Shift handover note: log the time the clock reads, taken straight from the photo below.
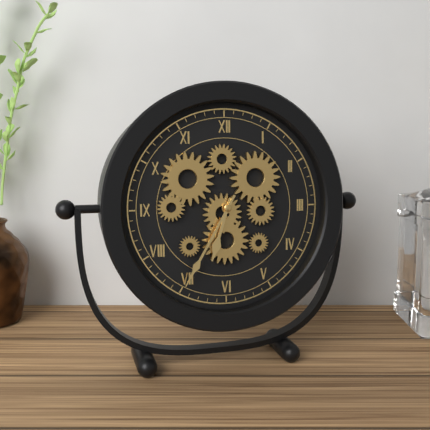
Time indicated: 6:35
